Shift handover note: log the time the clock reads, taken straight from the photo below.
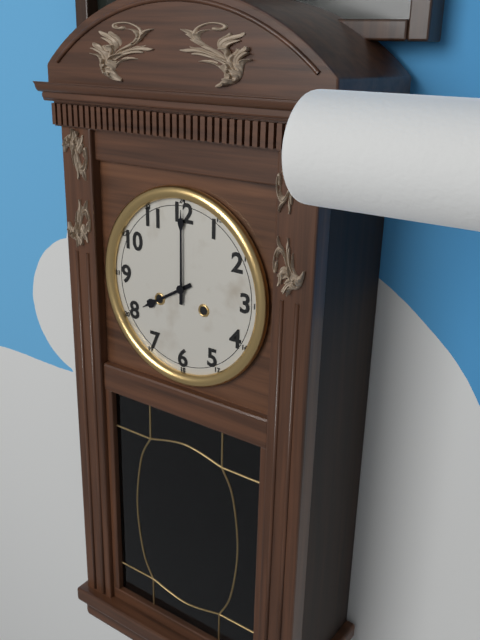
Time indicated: 8:00
